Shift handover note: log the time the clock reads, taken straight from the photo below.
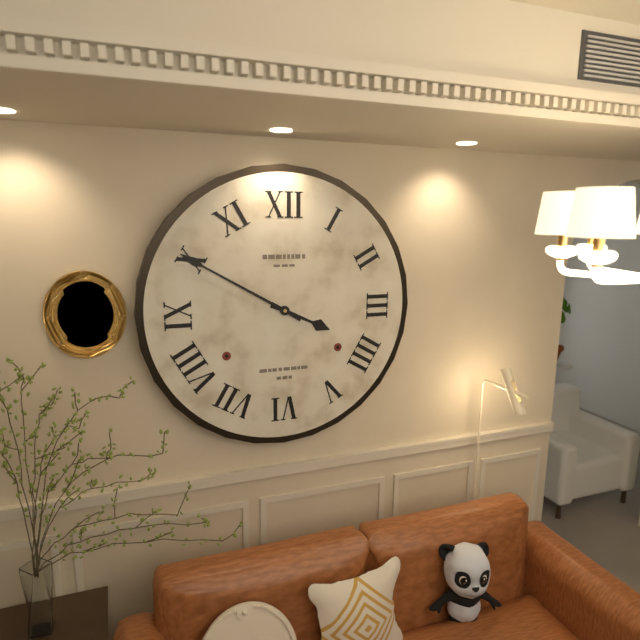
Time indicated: 3:50
